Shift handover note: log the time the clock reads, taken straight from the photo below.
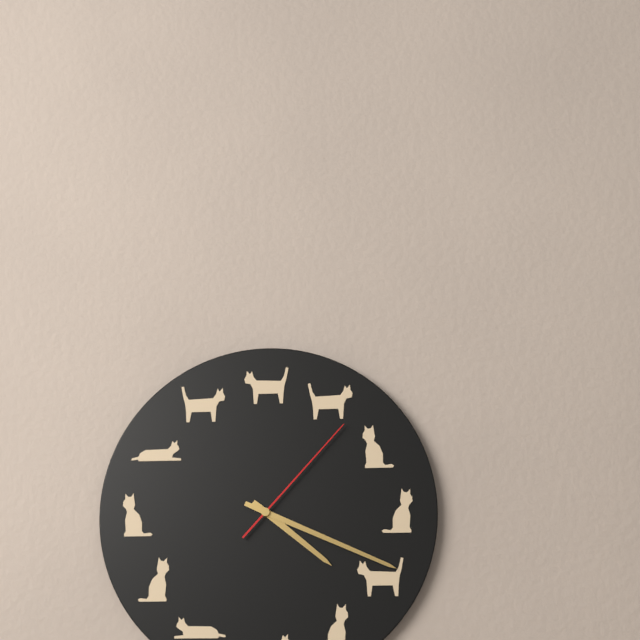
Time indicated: 4:19:07
